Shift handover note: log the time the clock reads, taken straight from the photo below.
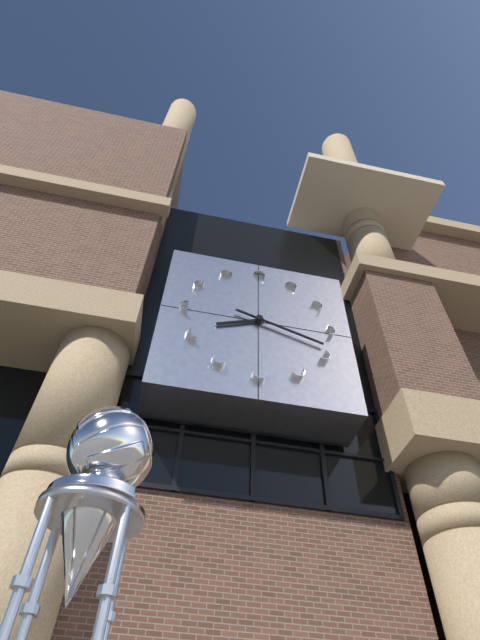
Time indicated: 8:18
